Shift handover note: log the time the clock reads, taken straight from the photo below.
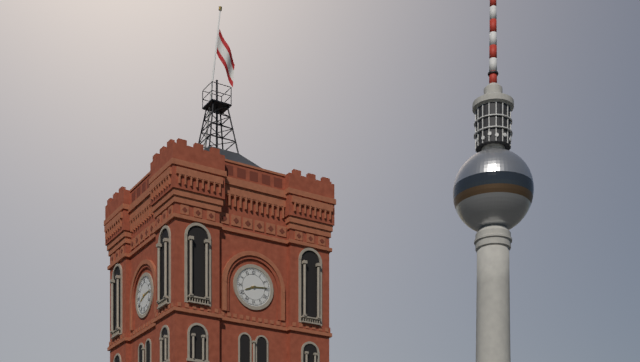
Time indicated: 8:14
